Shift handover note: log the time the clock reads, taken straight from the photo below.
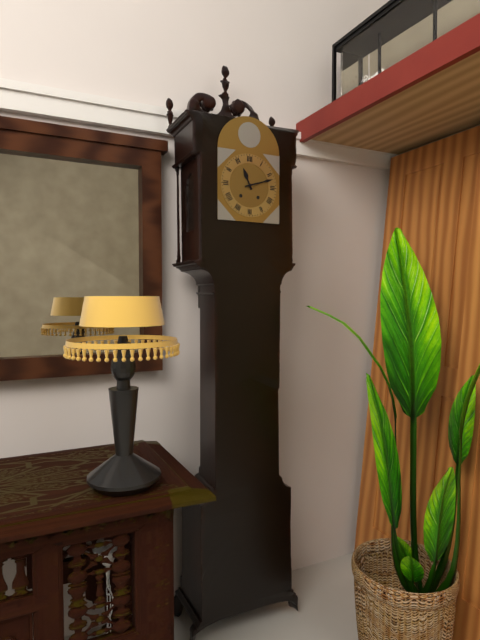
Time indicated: 11:12
